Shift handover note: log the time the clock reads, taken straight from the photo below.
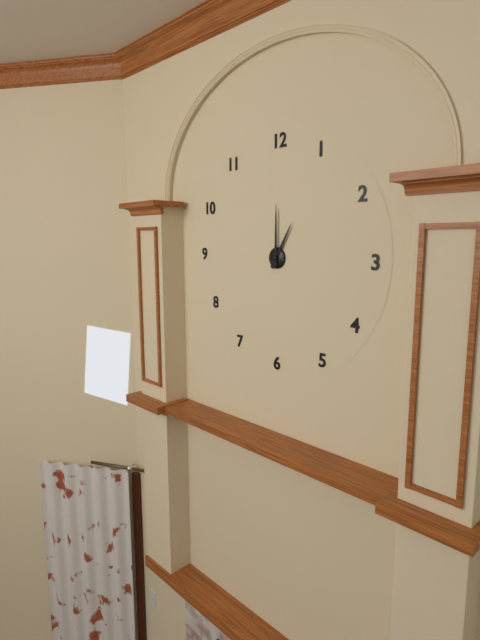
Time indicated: 1:00
